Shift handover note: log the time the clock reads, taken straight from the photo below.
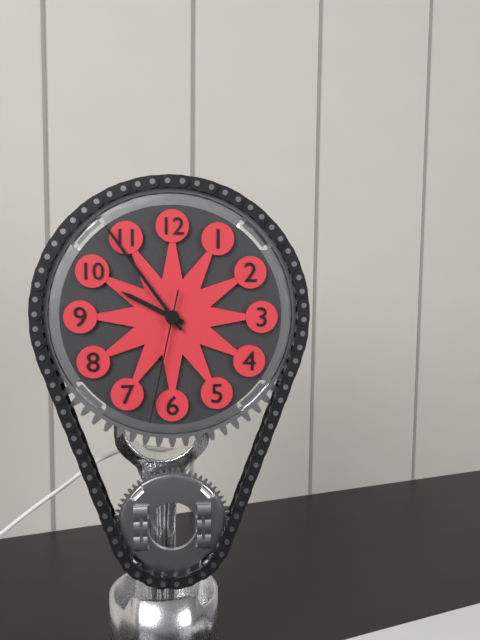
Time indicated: 9:54:32
